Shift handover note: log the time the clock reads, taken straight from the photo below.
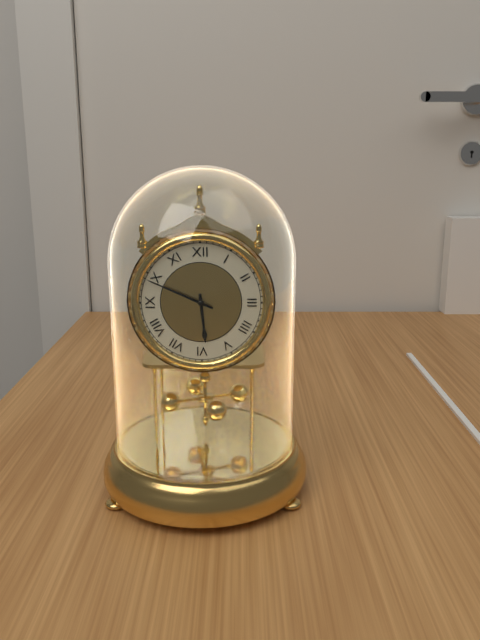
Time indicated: 5:49
